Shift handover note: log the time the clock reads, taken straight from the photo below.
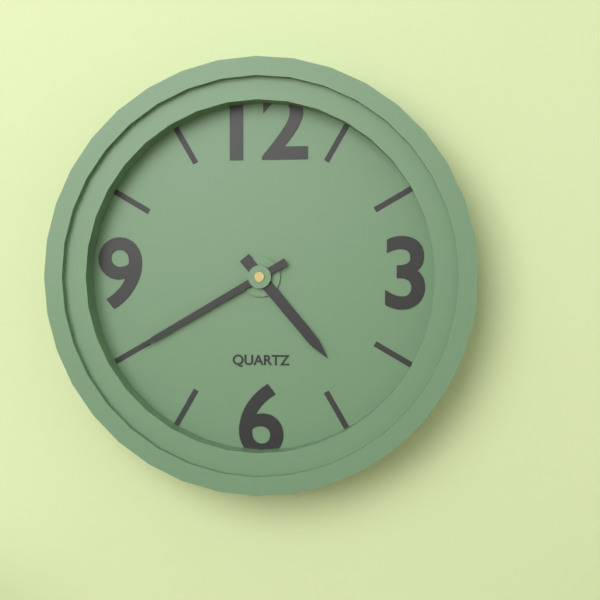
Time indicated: 4:40
